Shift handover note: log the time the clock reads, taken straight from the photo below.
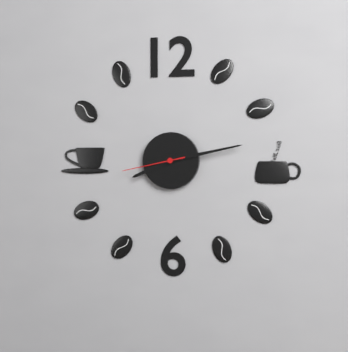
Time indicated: 8:13:43
